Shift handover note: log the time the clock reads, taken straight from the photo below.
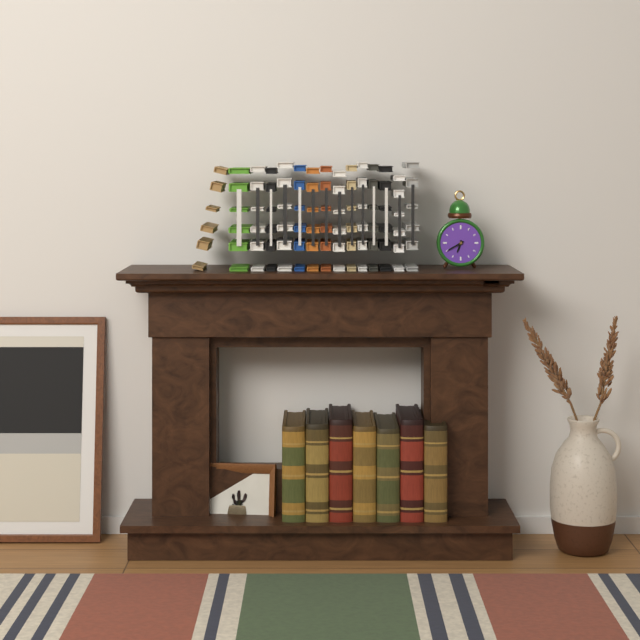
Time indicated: 6:40
